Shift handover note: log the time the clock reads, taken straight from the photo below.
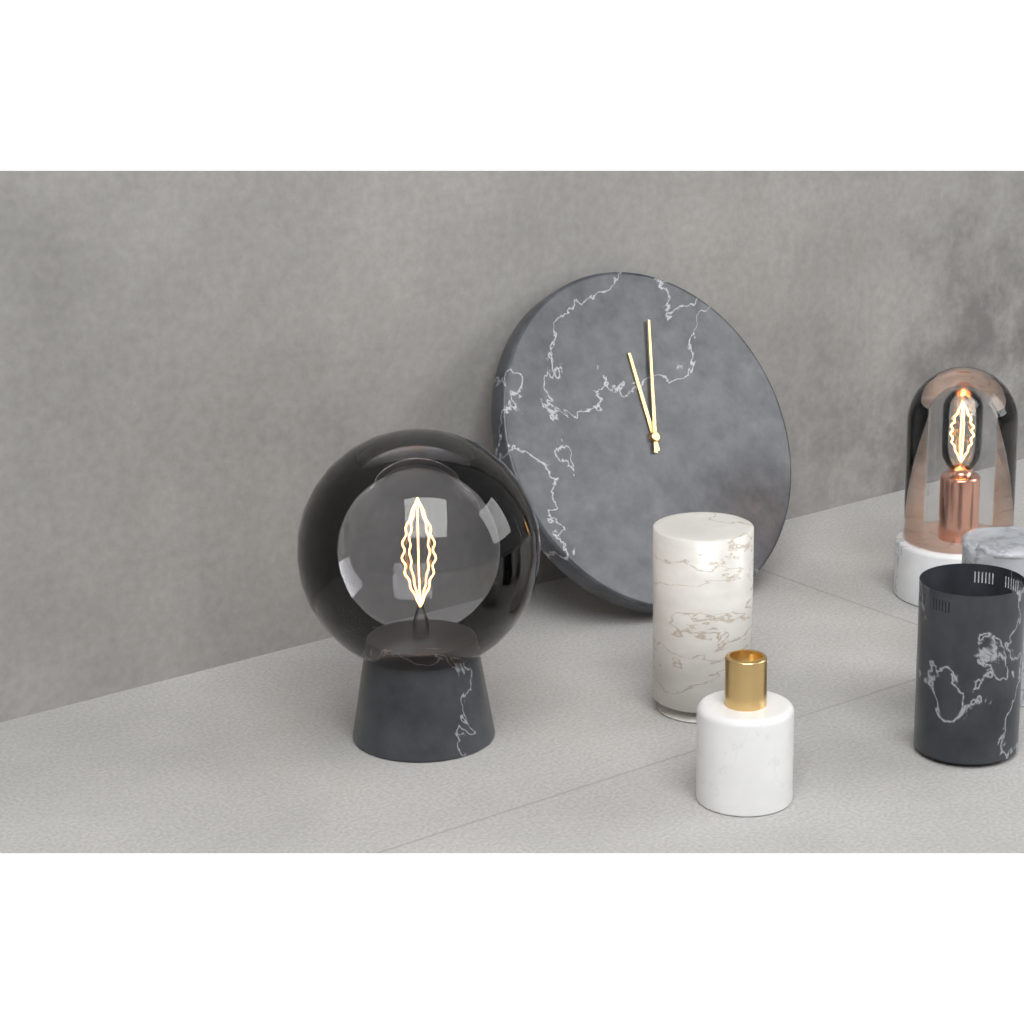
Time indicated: 12:03
